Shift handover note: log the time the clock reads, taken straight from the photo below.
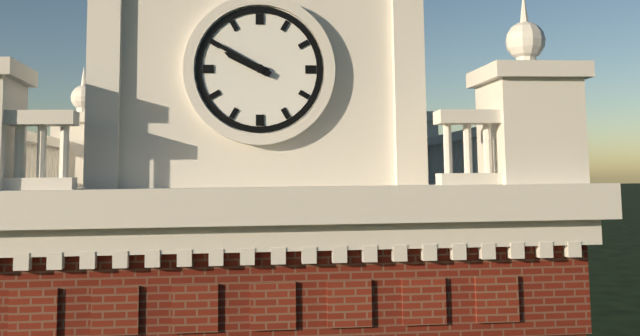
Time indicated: 9:50
